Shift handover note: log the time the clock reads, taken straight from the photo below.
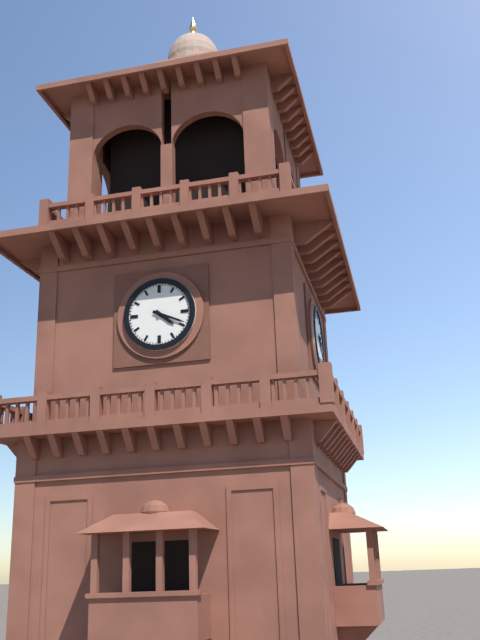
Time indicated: 4:19
